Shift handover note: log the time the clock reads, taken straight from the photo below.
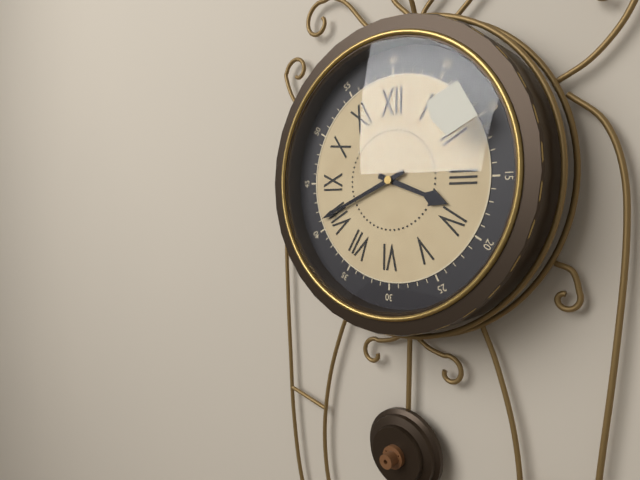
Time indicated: 3:41
